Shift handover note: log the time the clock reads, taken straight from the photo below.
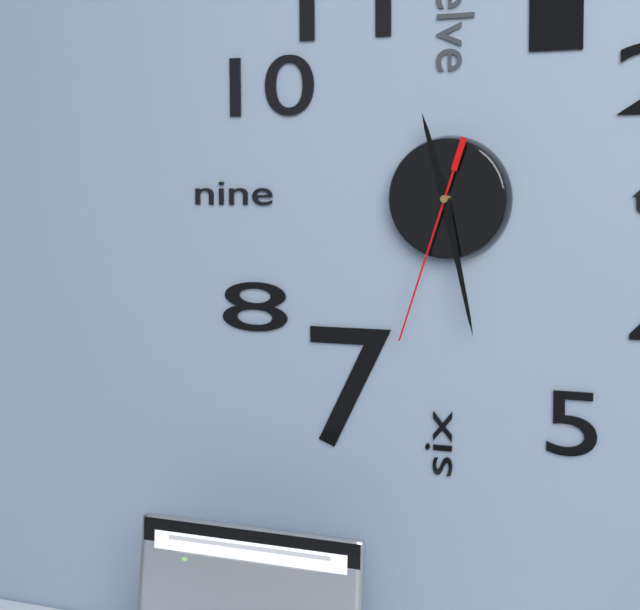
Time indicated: 11:28:33
